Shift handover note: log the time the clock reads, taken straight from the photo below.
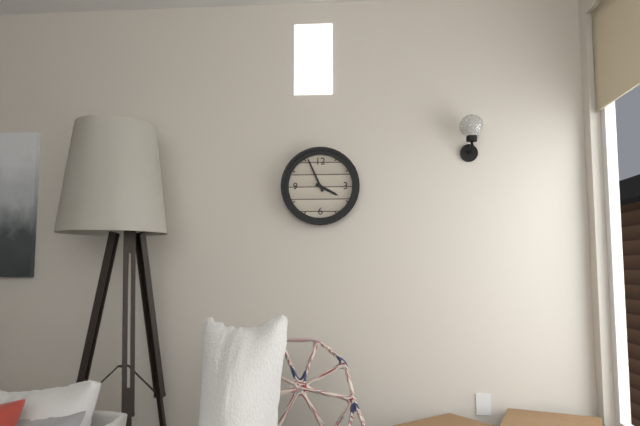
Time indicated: 3:56
